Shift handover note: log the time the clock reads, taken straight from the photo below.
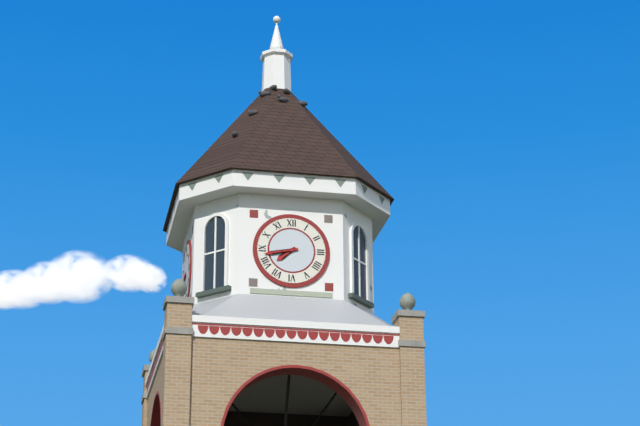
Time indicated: 7:43
